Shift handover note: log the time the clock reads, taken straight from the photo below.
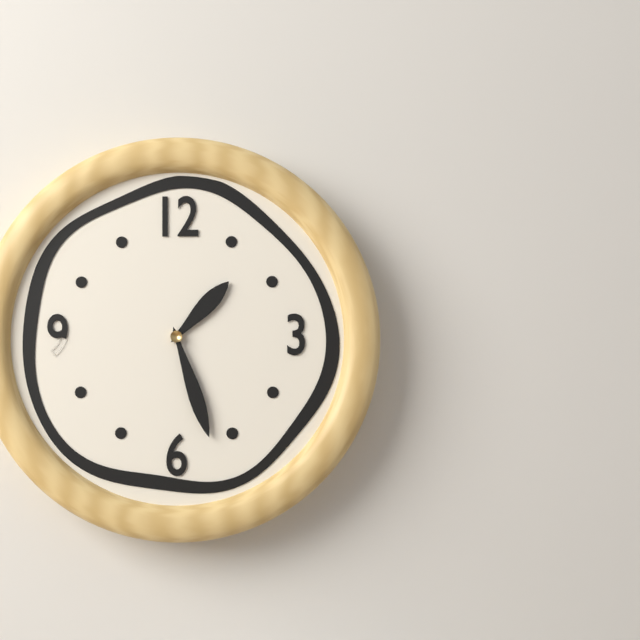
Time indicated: 1:27
